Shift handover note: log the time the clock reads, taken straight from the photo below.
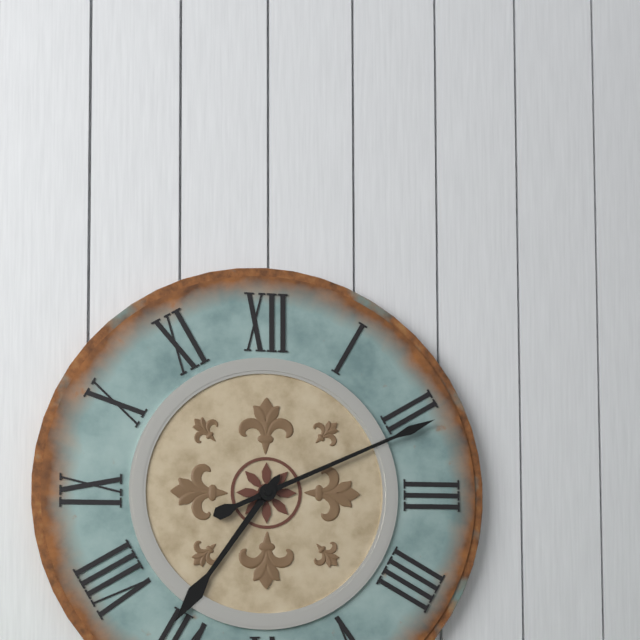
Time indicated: 7:11
